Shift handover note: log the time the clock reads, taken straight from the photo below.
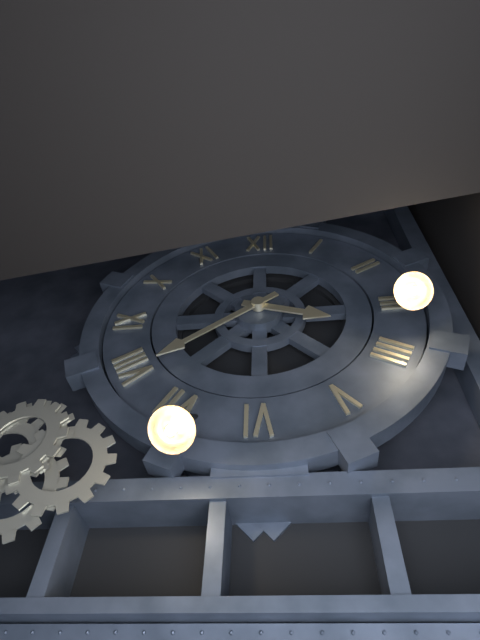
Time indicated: 3:39
